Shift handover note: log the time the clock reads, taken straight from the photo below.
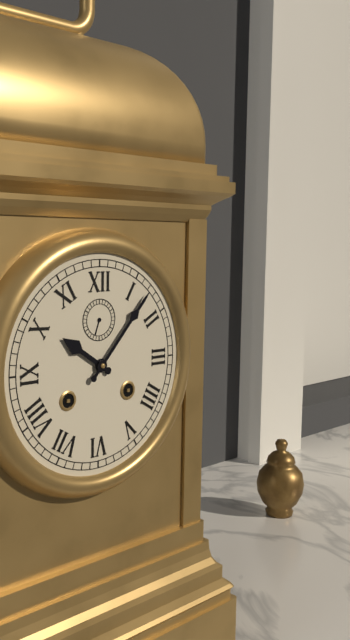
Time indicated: 10:07
